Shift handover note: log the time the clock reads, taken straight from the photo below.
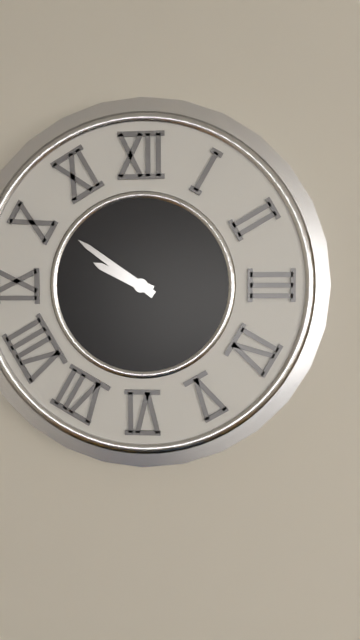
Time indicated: 9:51
